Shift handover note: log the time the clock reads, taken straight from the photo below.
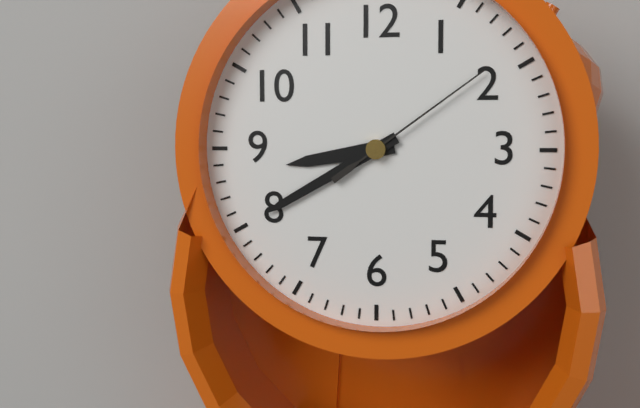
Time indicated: 8:40:09
